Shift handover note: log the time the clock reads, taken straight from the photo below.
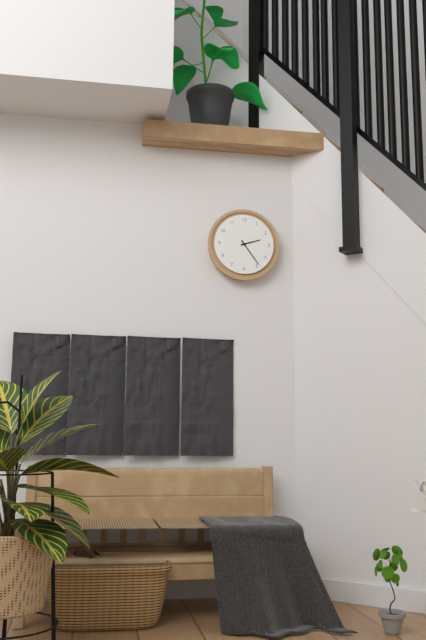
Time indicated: 2:24
